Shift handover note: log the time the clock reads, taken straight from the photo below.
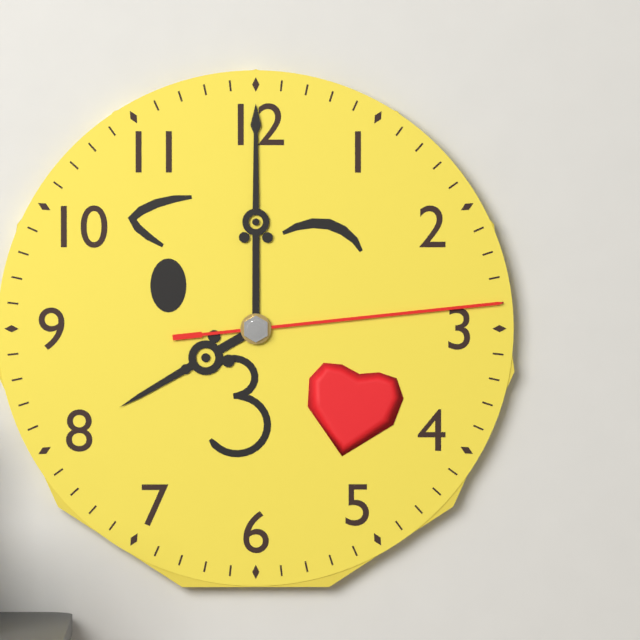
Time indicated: 8:00:14
